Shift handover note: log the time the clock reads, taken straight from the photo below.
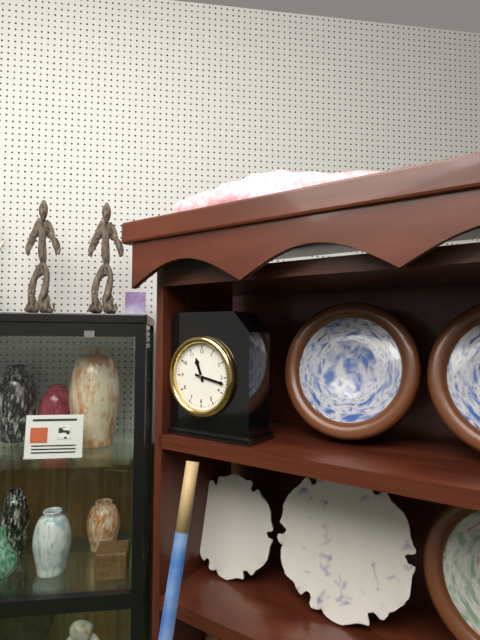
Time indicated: 11:17
